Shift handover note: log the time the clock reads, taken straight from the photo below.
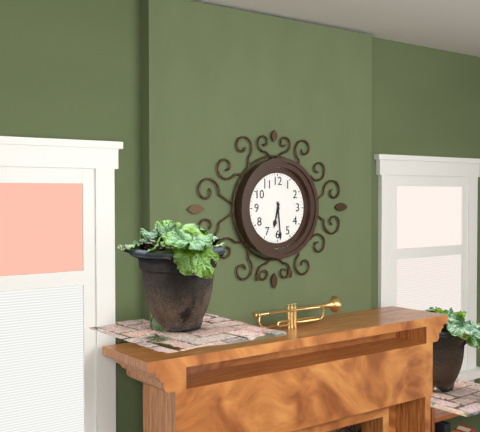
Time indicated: 6:29
